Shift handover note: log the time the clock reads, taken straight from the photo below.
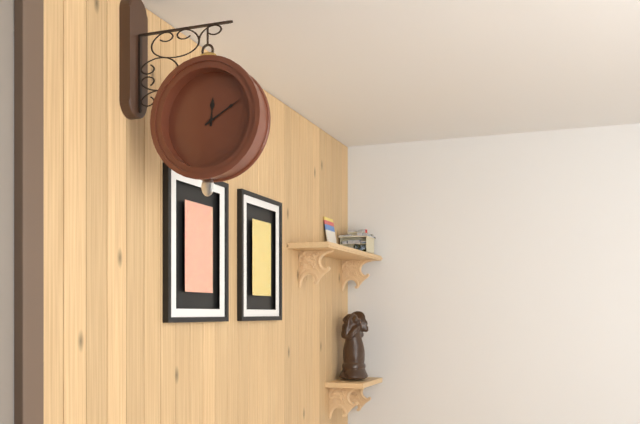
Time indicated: 12:10
